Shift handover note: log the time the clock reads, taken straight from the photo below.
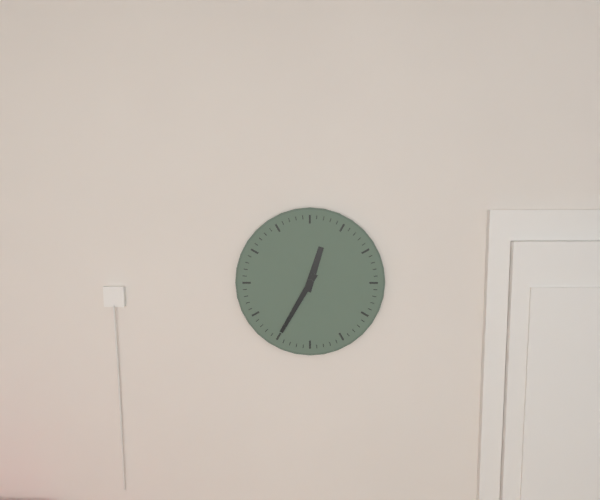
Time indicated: 12:35
